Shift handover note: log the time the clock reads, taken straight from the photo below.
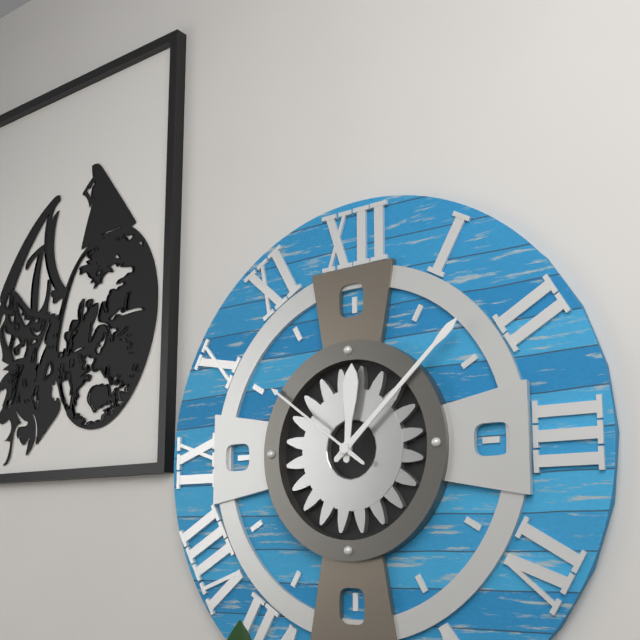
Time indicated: 12:08:51
